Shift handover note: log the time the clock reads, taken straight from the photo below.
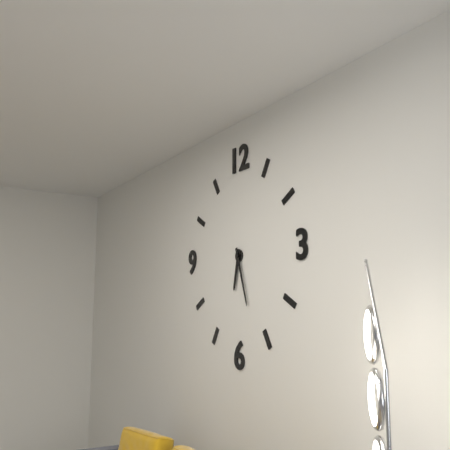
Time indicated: 6:27
